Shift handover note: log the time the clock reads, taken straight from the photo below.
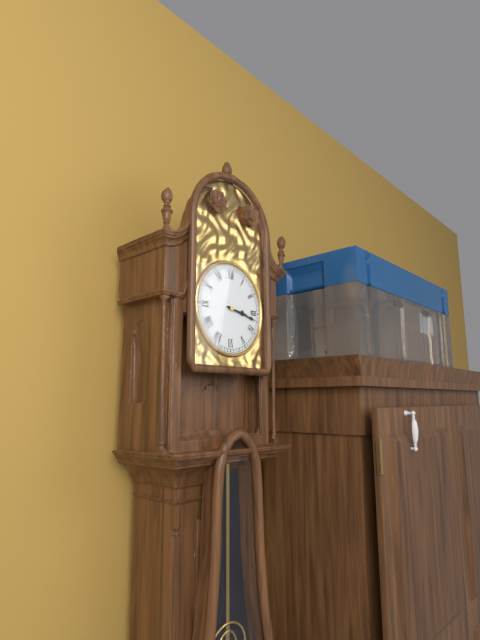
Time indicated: 3:17
